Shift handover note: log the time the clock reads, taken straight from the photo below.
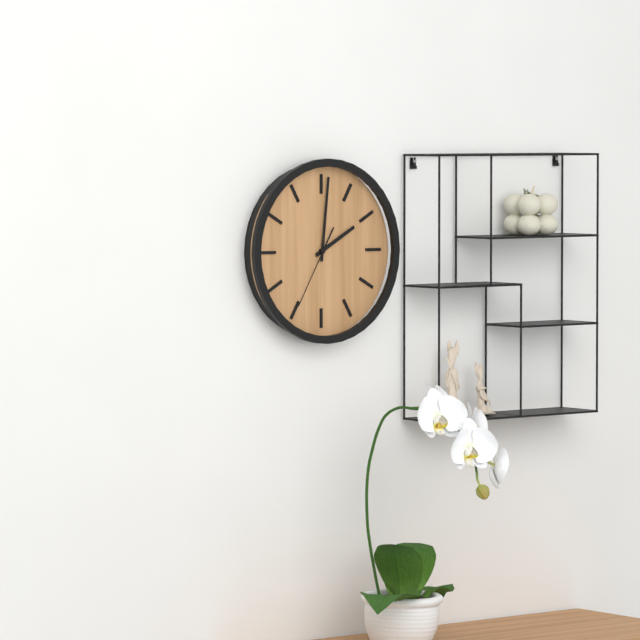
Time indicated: 2:01:35
